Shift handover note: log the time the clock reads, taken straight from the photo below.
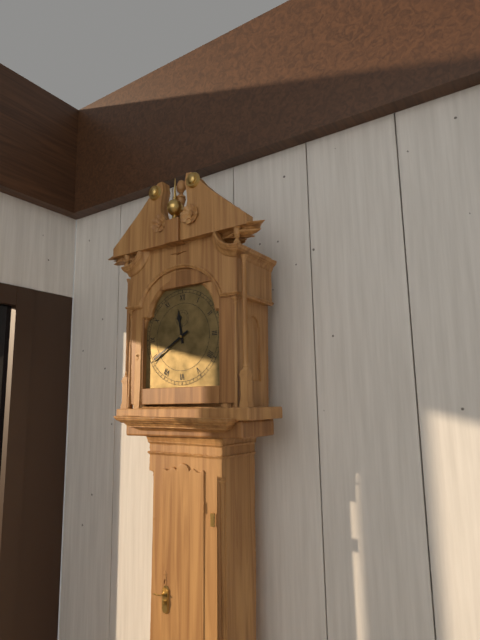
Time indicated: 11:40
